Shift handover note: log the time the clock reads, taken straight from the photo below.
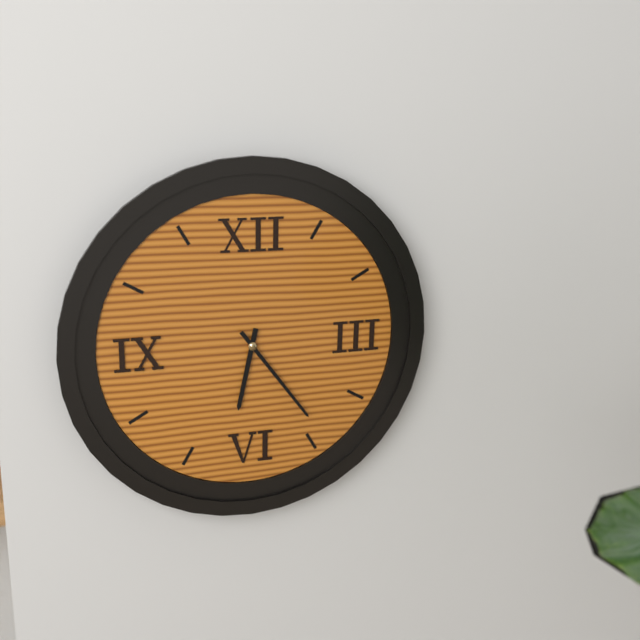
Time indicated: 6:24
